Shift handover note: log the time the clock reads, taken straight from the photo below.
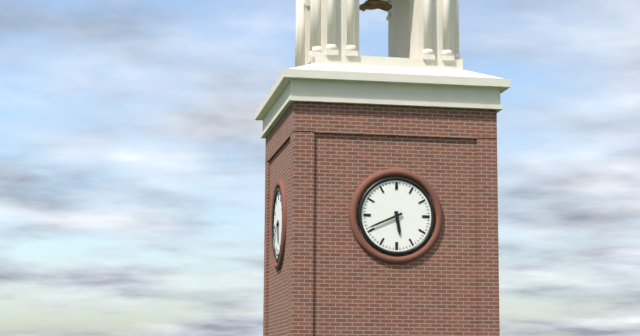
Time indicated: 5:41
